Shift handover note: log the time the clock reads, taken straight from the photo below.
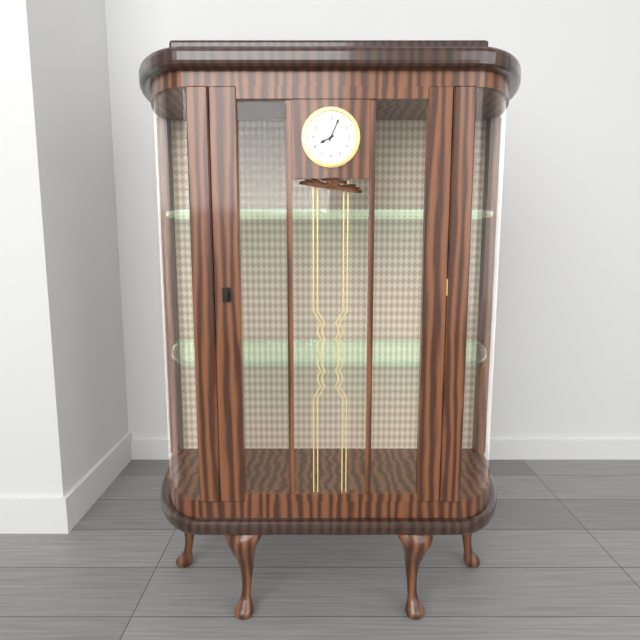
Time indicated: 8:04
